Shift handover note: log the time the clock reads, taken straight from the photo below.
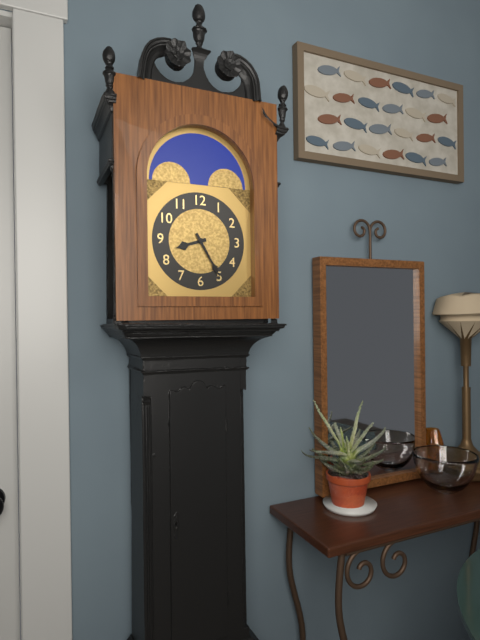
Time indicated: 8:25
